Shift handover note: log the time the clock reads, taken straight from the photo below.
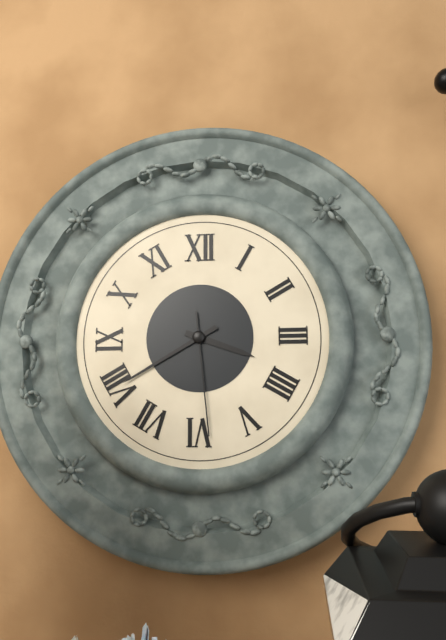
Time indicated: 3:40:29
